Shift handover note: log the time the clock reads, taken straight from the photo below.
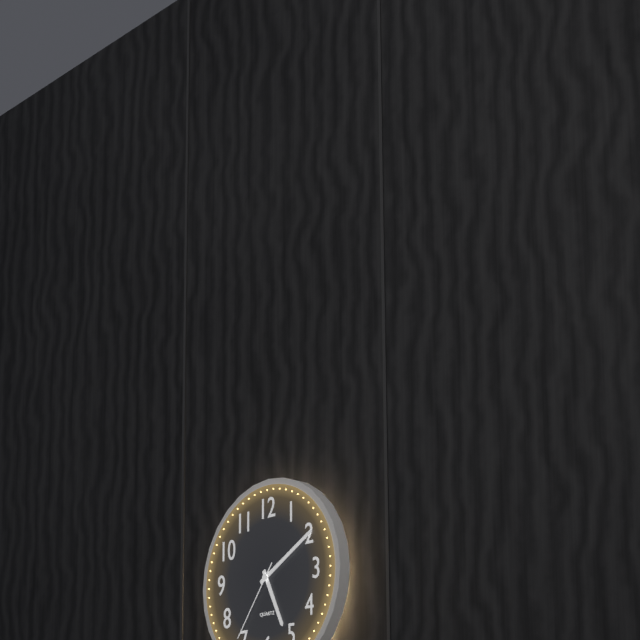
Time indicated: 5:10:36
